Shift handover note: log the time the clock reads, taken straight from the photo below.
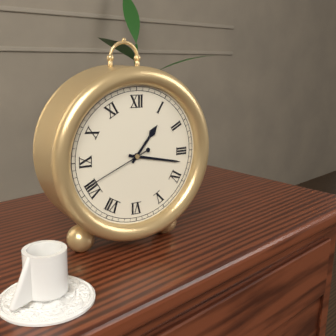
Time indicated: 1:17:41
